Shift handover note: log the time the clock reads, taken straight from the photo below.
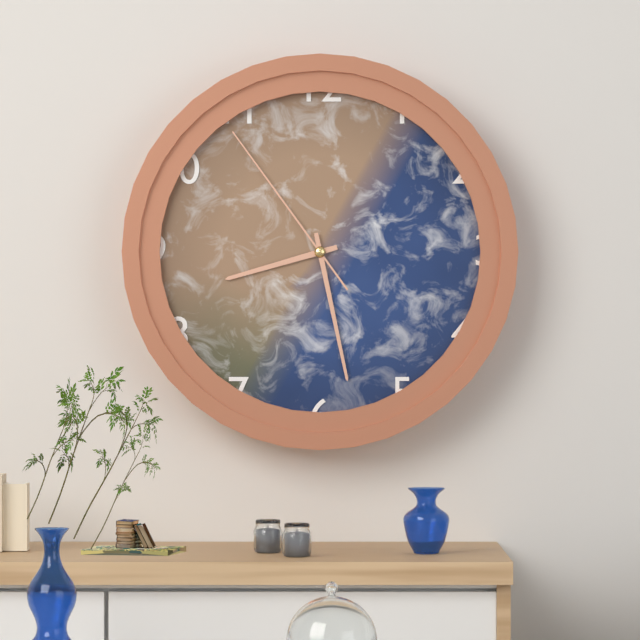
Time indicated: 8:28:54
